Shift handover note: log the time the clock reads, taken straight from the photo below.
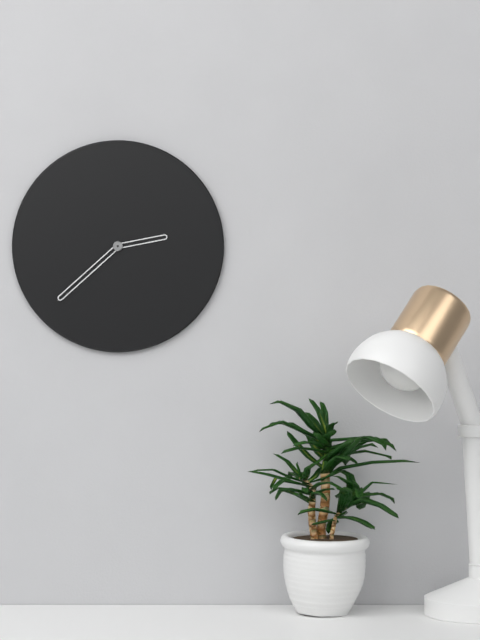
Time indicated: 2:38
